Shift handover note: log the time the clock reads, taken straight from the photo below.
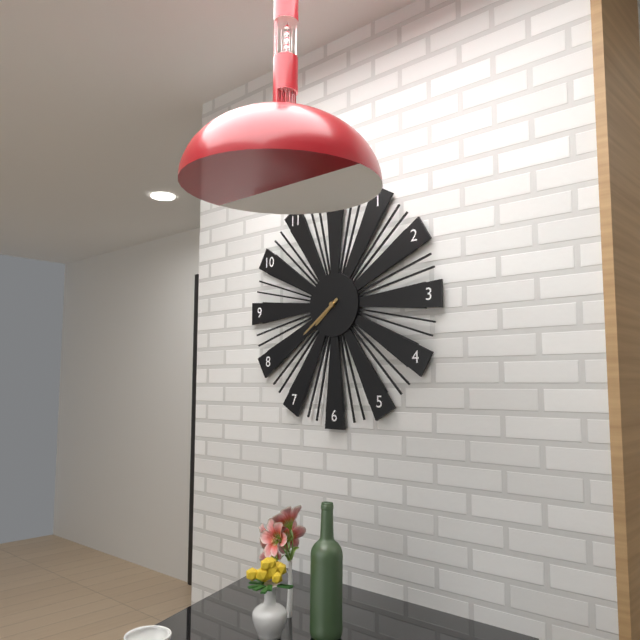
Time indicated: 7:39
